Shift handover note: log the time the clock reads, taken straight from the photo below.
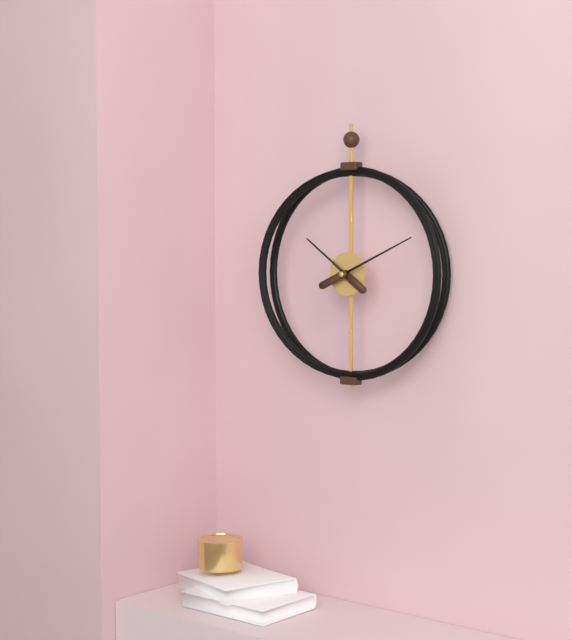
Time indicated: 10:11
